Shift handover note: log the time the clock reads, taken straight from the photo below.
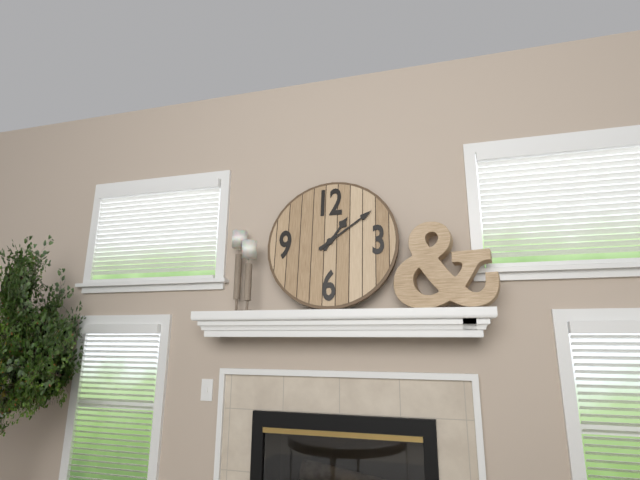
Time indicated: 1:09
